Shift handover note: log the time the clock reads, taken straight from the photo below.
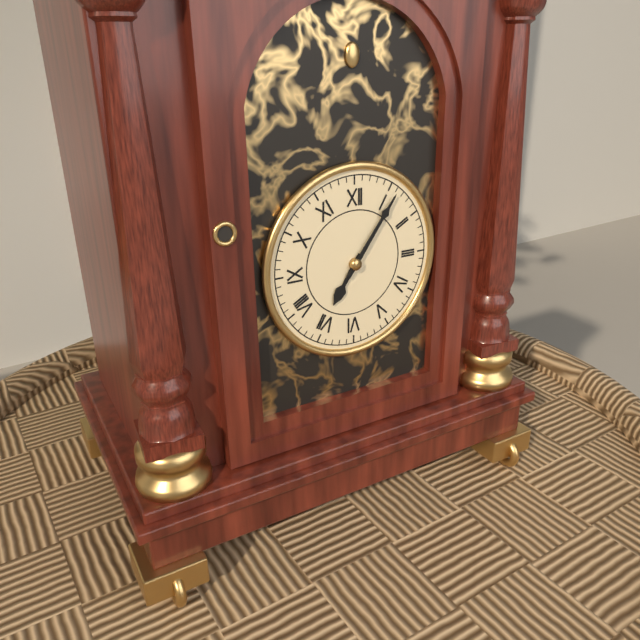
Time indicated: 7:06
